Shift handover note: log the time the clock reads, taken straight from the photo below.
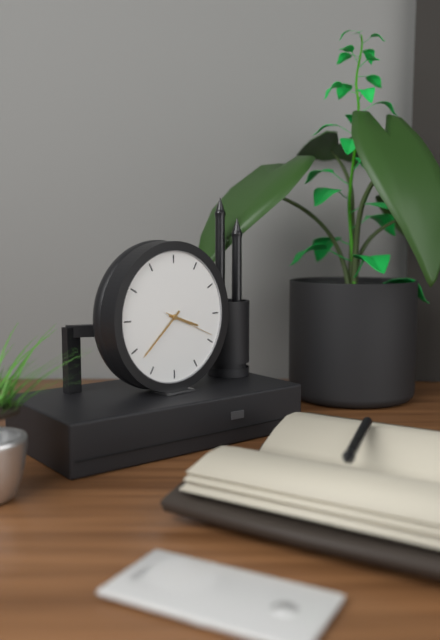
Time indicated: 3:38:19
